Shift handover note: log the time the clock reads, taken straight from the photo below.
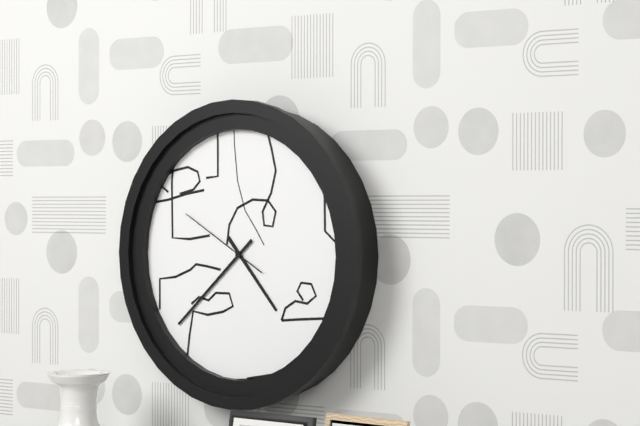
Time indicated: 4:38:50
